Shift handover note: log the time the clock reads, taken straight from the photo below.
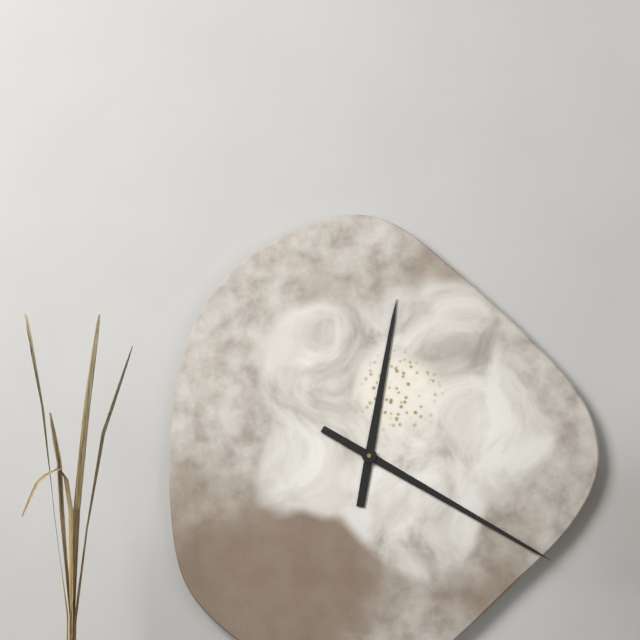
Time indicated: 12:20
